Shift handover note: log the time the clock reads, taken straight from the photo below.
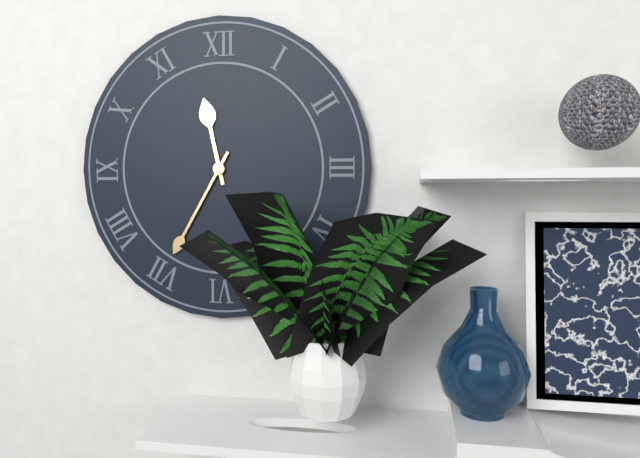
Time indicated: 11:35
